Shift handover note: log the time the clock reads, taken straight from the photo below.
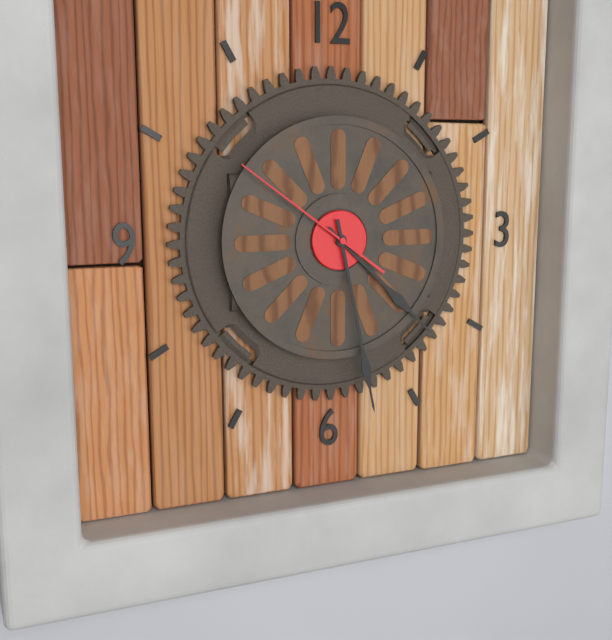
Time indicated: 4:28:51
